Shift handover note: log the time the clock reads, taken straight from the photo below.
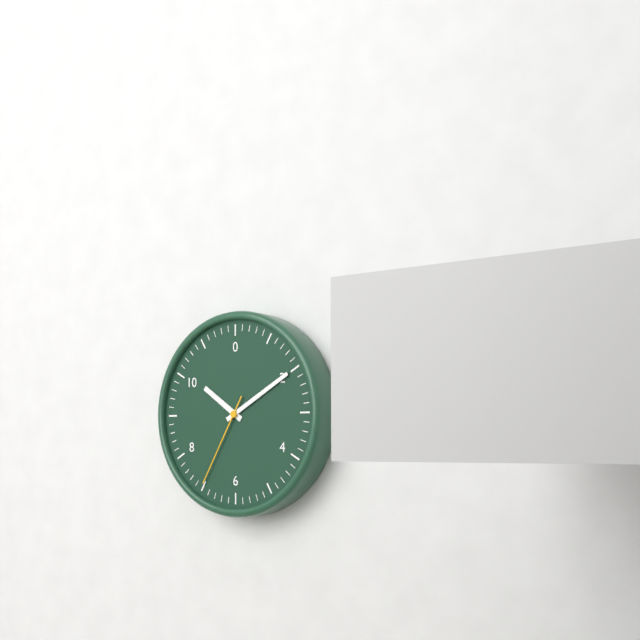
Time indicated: 10:10:35
